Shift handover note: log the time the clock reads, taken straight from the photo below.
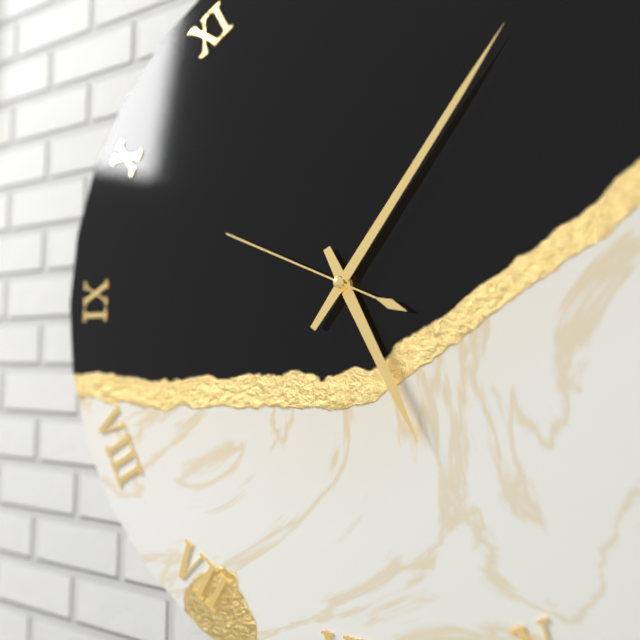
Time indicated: 5:06:49
